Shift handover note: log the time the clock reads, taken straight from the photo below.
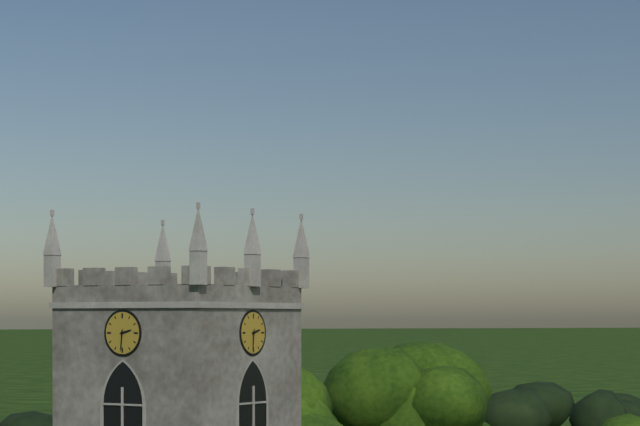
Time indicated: 2:31
